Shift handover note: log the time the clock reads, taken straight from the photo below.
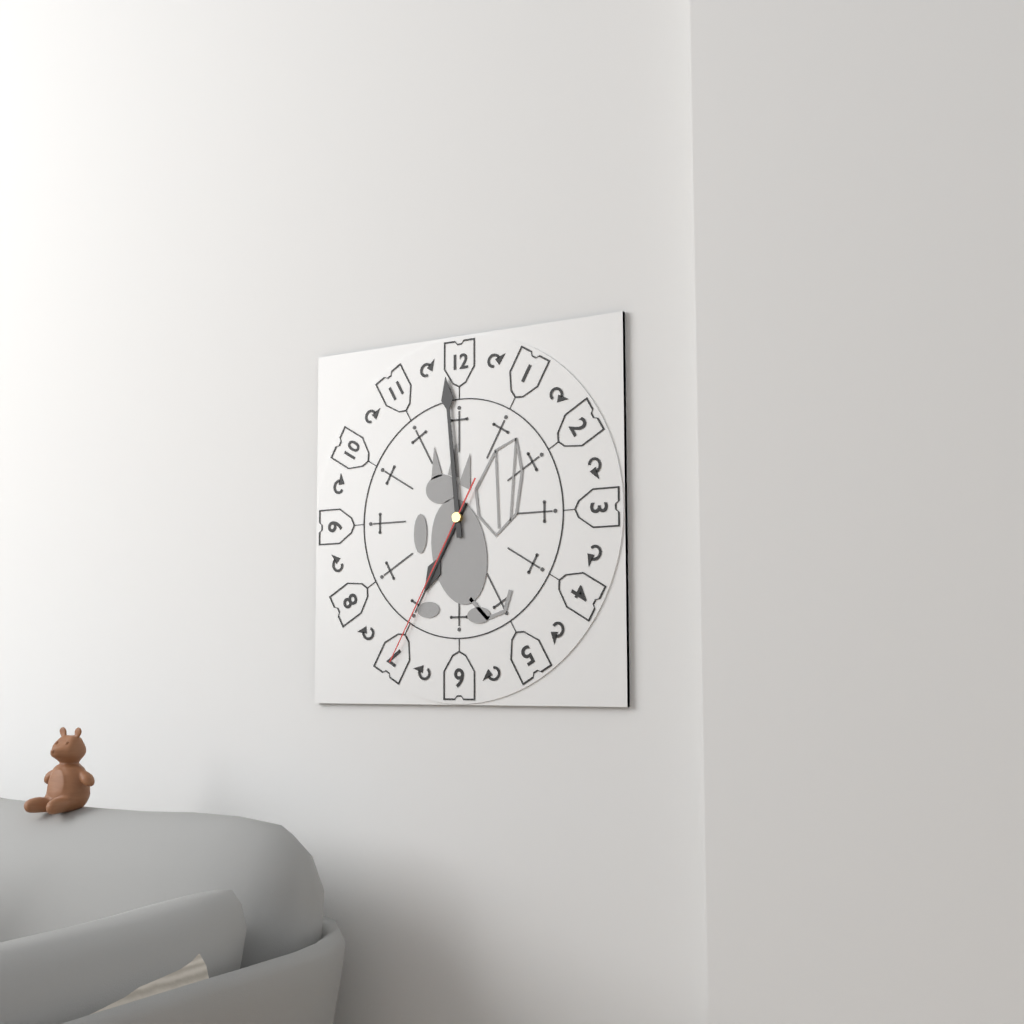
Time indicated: 6:59:35
